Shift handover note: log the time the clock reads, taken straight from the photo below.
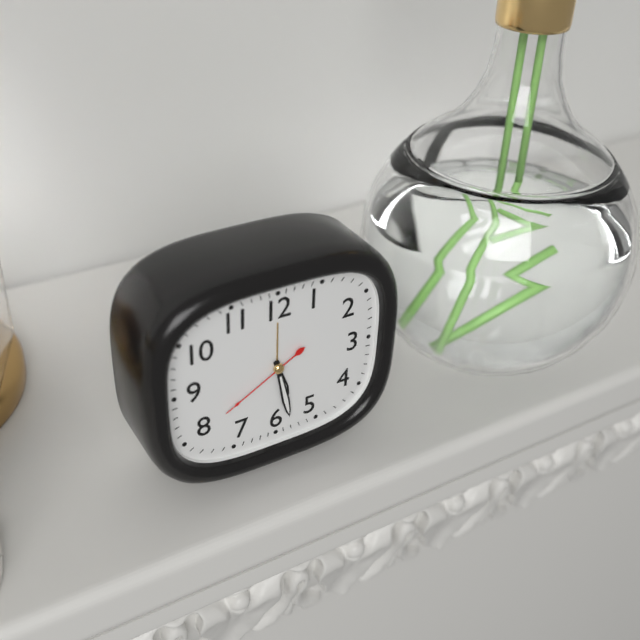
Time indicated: 5:28:40
